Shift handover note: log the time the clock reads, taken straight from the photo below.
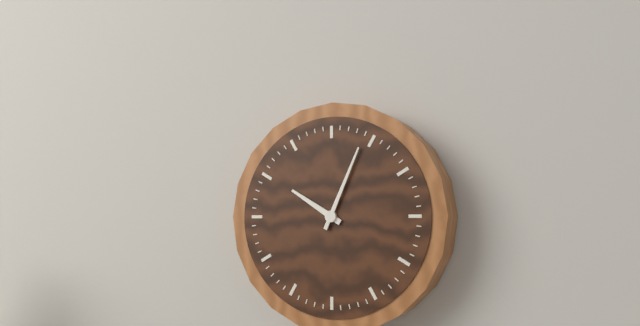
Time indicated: 10:04
